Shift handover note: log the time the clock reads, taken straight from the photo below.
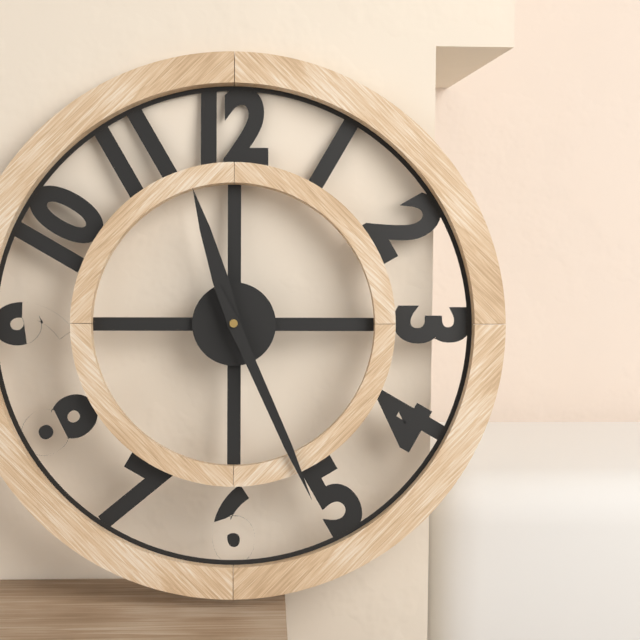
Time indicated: 11:26
